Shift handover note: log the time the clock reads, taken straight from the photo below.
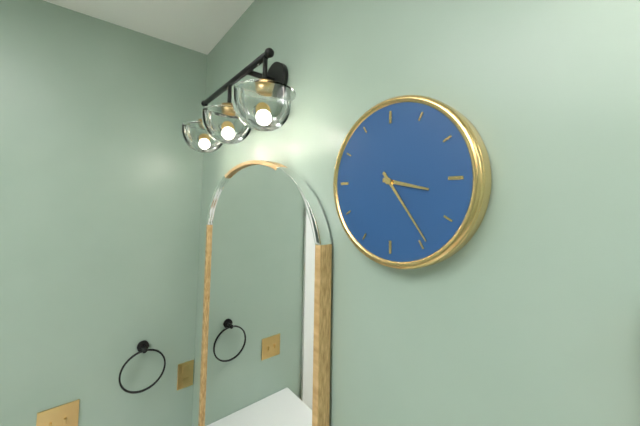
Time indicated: 3:24
